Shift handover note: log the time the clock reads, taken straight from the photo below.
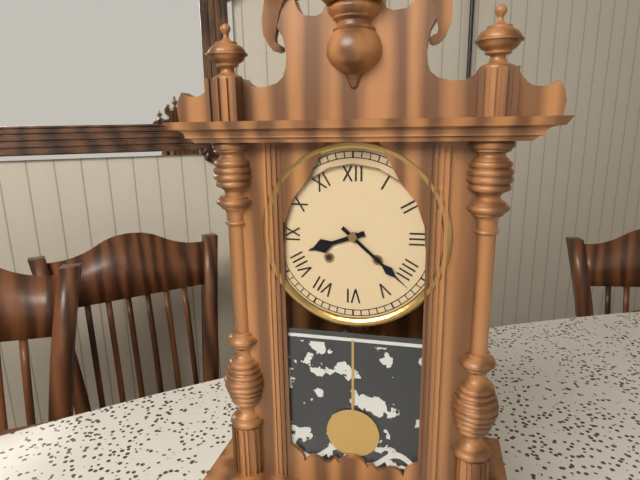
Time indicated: 8:22
